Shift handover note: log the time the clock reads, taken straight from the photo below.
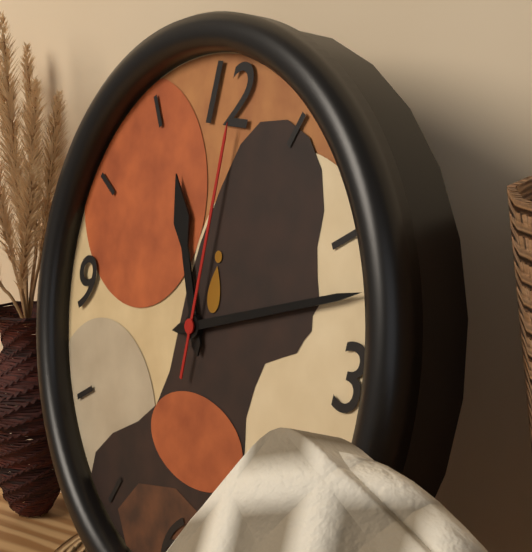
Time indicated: 11:12:01
